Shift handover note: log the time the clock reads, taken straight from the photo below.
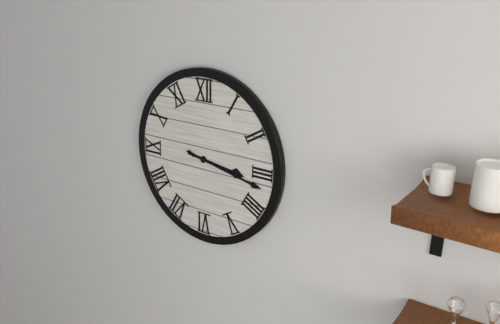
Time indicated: 3:17
